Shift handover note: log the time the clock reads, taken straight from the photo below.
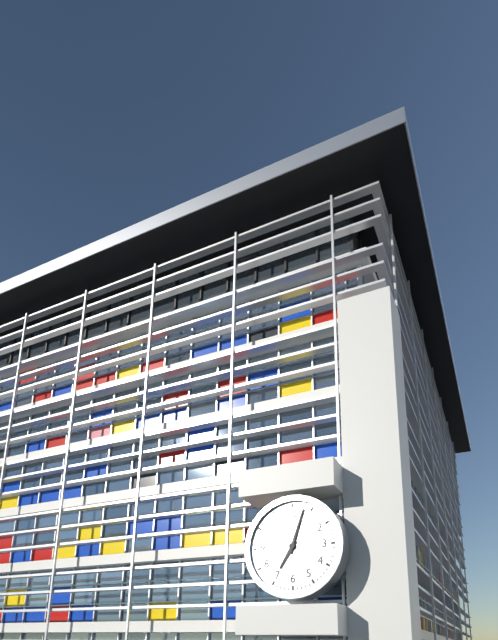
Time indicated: 7:03
